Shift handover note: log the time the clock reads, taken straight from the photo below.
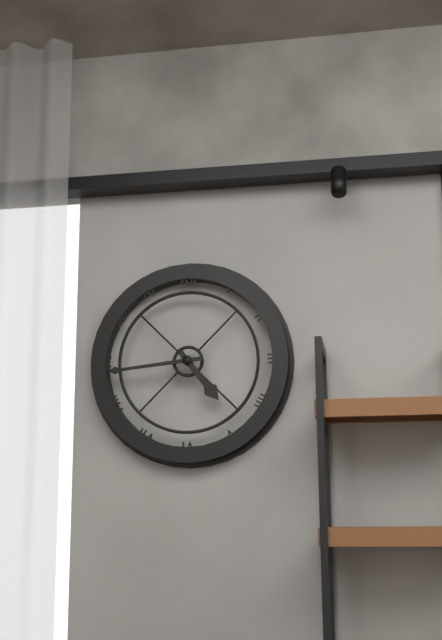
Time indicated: 4:44
